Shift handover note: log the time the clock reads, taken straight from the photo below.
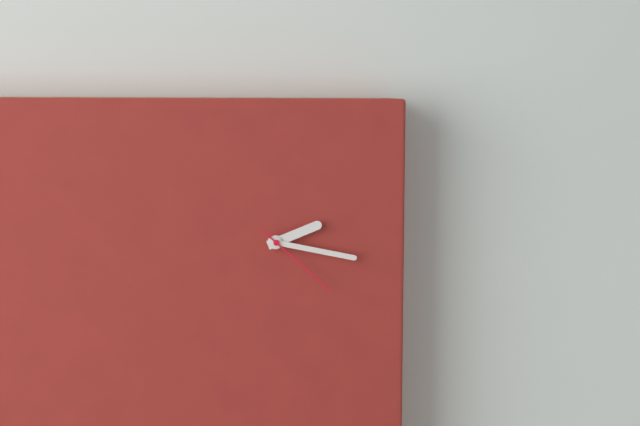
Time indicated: 2:17:22
